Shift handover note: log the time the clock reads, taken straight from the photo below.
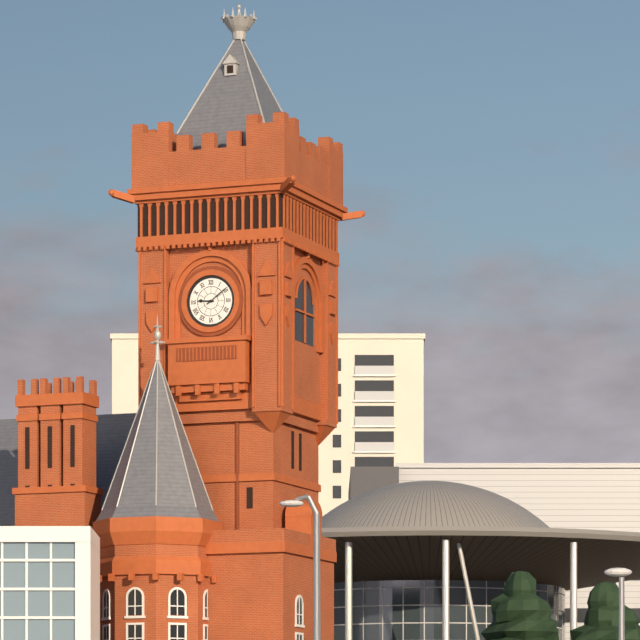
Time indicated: 9:09
